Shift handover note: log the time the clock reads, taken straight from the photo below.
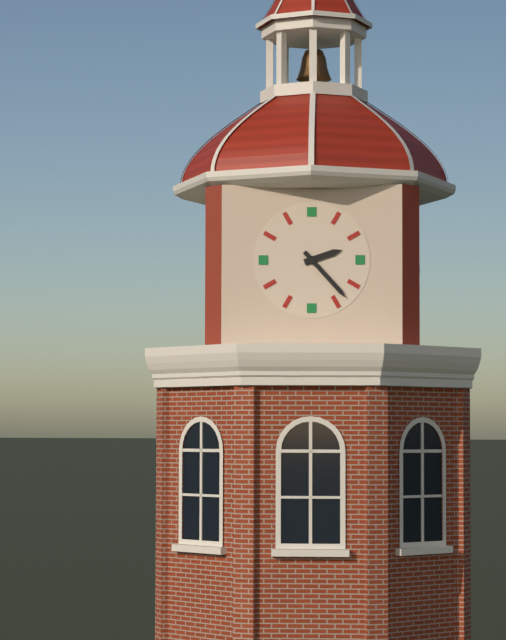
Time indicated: 2:23
